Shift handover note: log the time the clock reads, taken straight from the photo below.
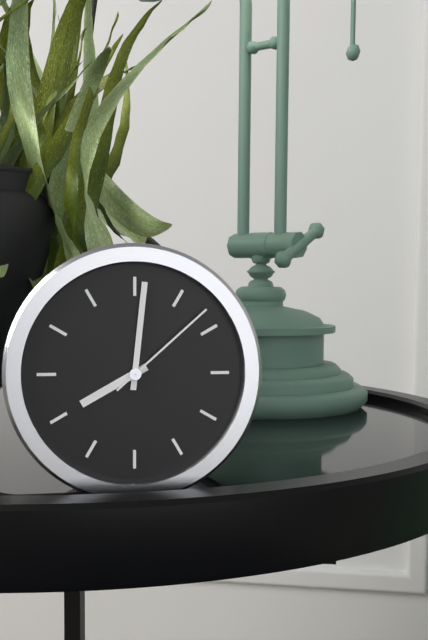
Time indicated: 8:01:08
